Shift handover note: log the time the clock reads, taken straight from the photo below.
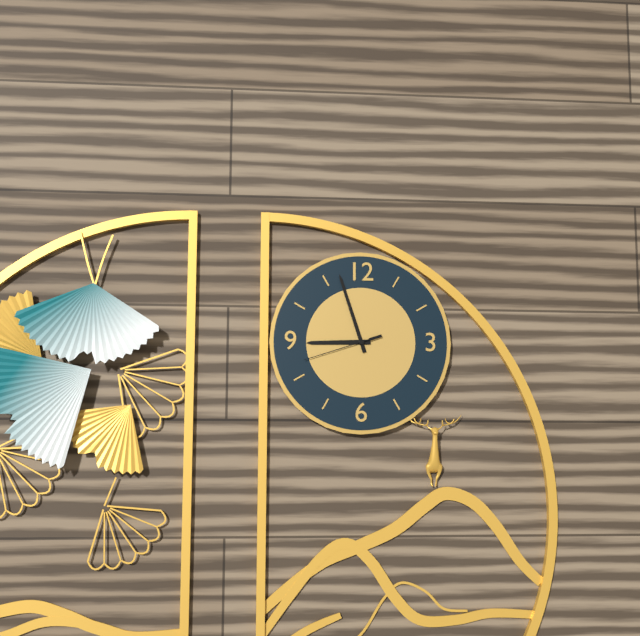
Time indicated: 8:57:42
